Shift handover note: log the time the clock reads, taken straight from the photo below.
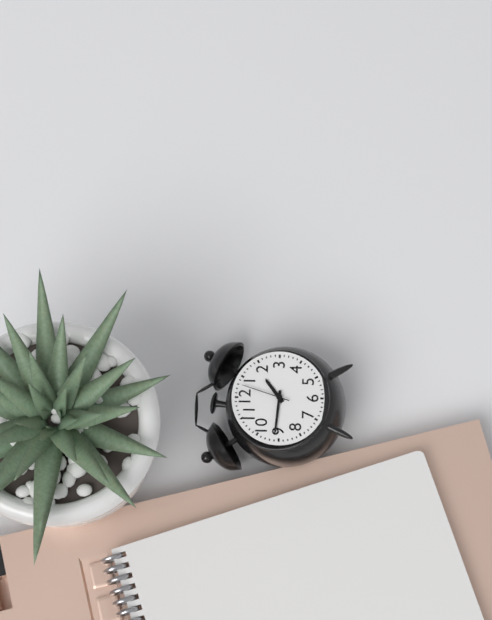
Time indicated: 1:46:03
